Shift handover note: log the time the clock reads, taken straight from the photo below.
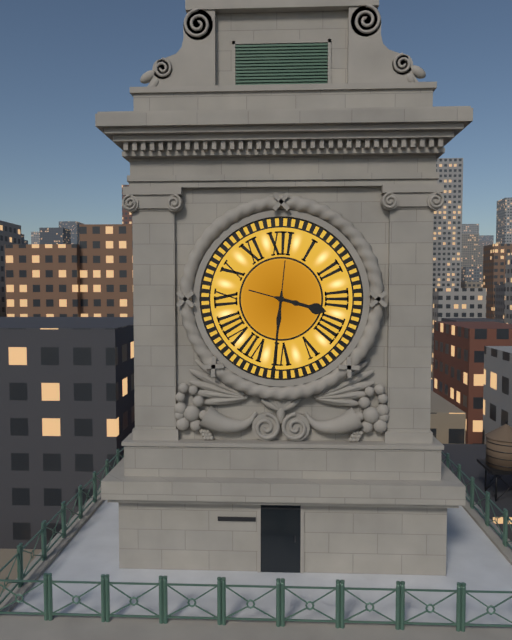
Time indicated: 3:31
